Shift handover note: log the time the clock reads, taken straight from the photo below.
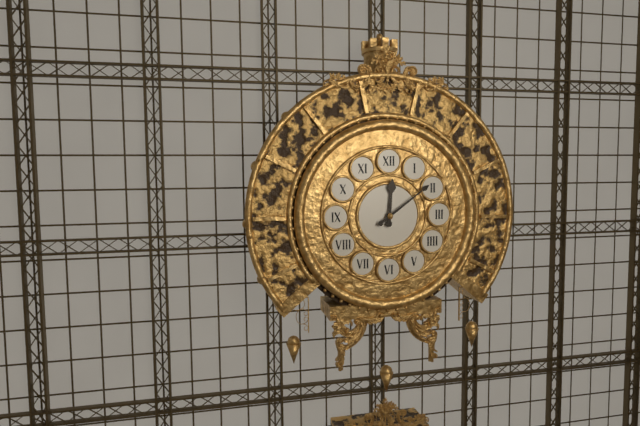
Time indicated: 12:09
